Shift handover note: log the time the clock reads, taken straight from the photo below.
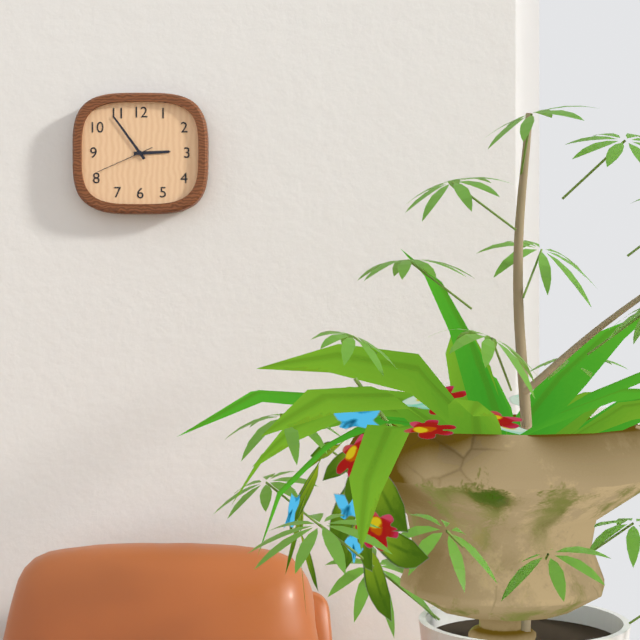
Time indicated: 2:54:41
